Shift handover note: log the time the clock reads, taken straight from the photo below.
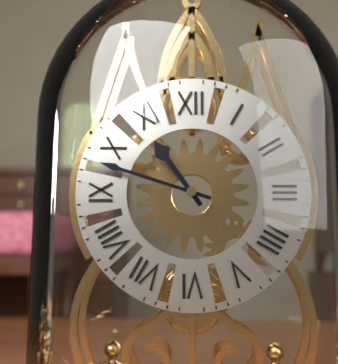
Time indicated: 10:48
